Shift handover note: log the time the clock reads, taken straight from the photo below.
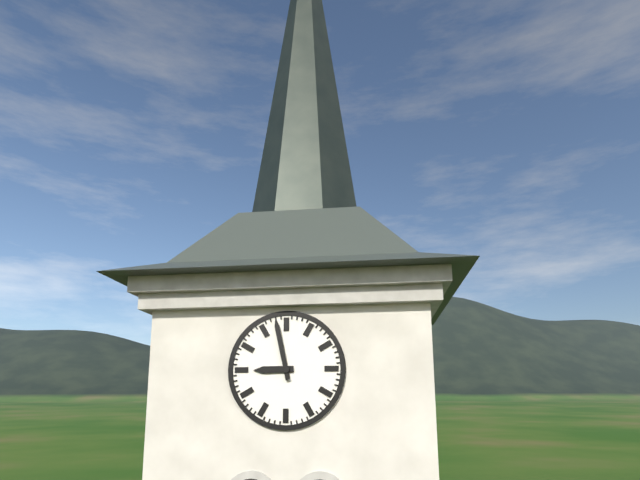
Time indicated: 8:58
